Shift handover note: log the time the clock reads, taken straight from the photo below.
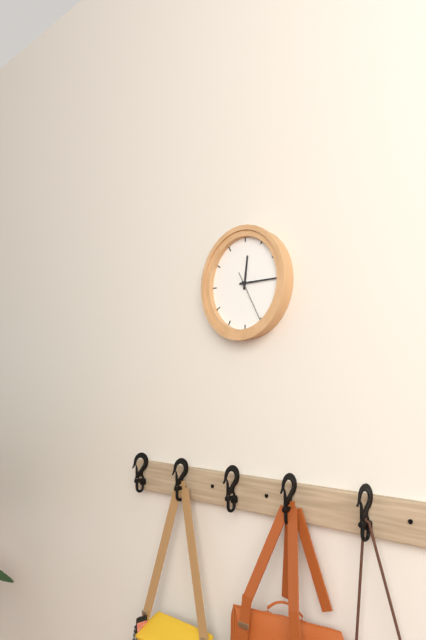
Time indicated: 12:15:25
